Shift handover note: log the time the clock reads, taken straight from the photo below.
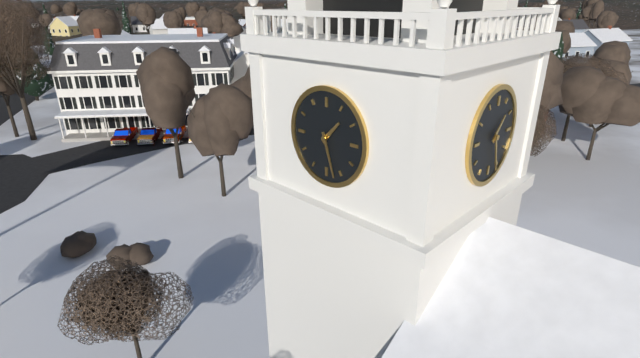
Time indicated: 1:27
